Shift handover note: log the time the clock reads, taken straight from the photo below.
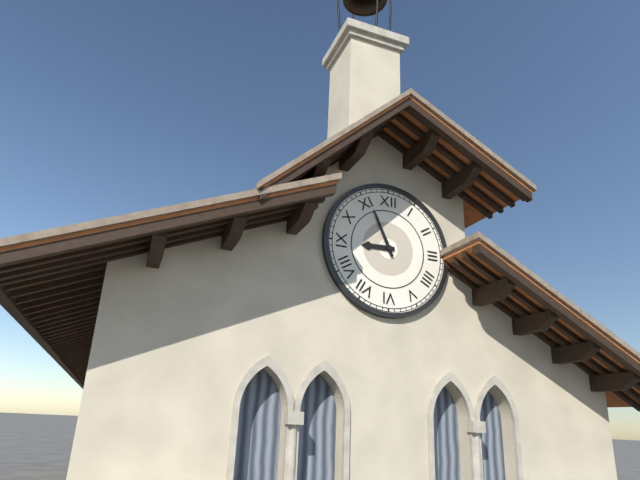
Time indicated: 8:56
